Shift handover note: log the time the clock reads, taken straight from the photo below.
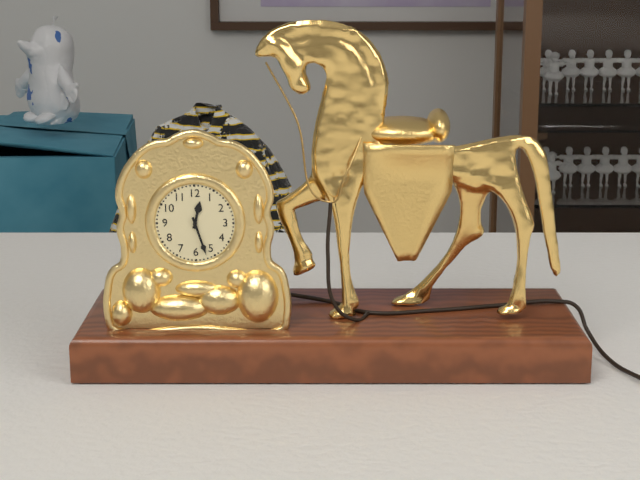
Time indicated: 12:27
